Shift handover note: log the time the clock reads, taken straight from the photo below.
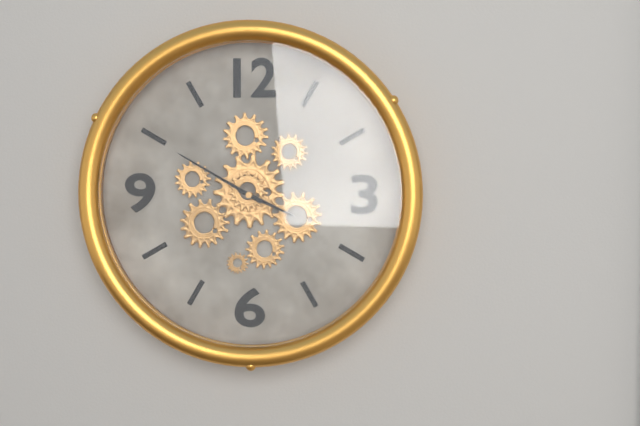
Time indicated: 3:50
